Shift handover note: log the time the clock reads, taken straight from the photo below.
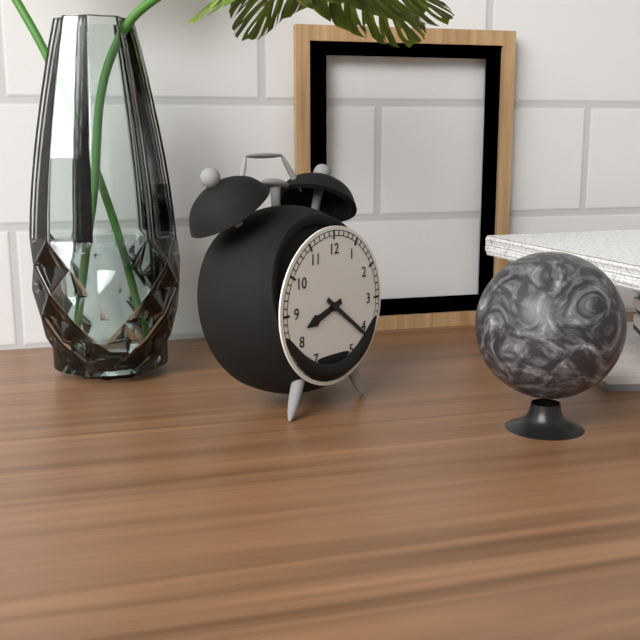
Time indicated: 8:21
